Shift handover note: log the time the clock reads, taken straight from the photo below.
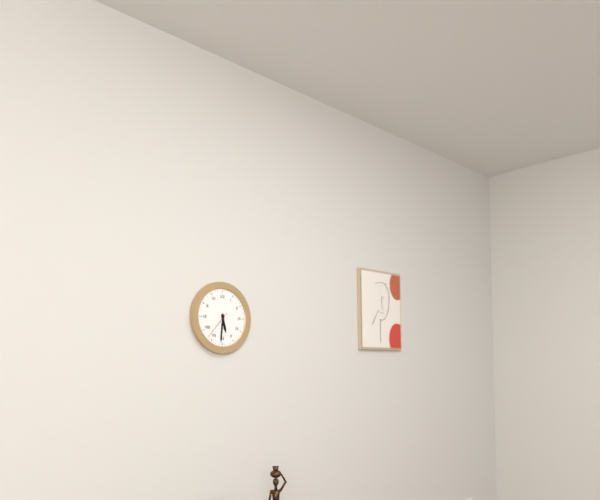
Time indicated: 5:31
